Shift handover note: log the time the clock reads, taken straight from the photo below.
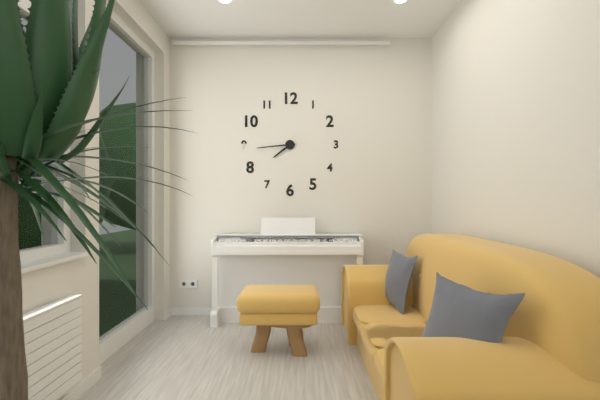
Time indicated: 7:44
